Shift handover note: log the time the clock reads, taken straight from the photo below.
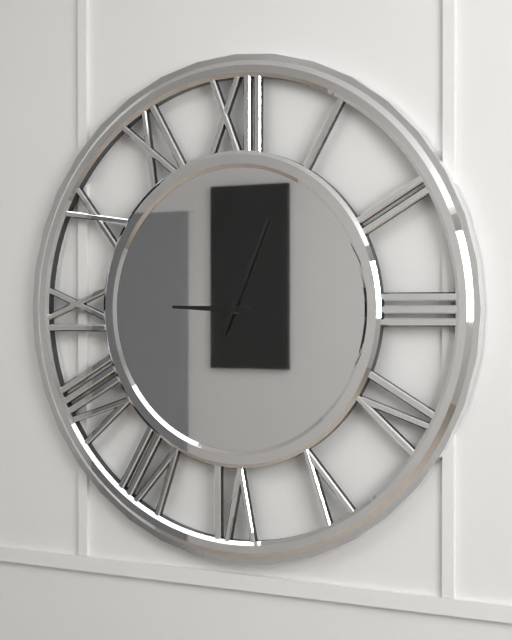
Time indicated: 9:04
